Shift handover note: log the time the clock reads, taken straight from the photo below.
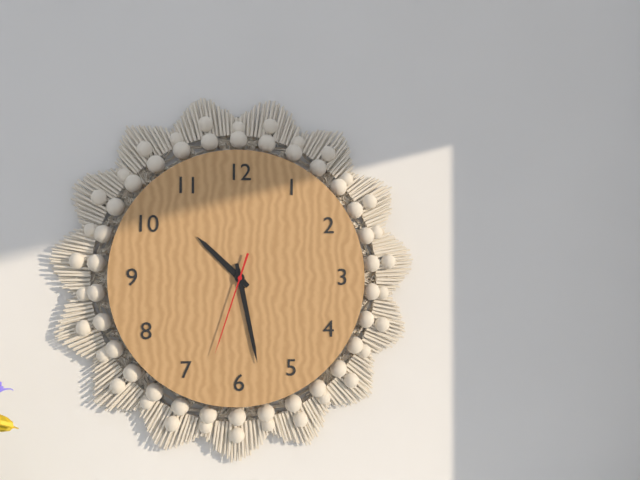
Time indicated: 10:28:33
